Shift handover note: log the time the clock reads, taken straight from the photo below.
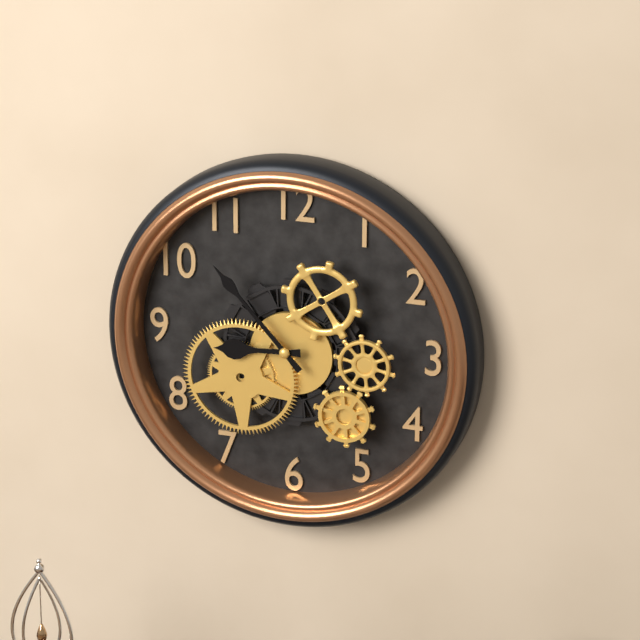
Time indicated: 8:53
